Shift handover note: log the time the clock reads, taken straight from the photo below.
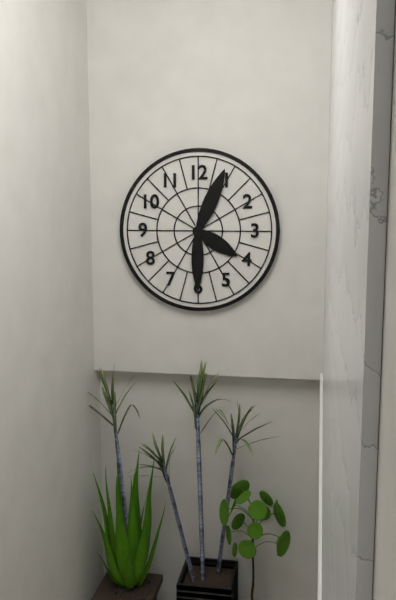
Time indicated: 4:04:30
